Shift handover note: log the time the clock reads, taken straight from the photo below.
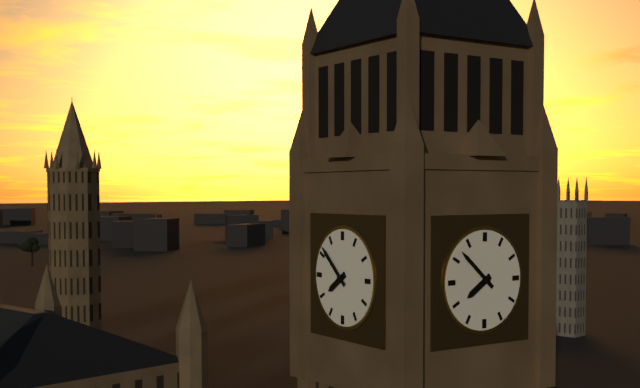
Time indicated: 7:52
